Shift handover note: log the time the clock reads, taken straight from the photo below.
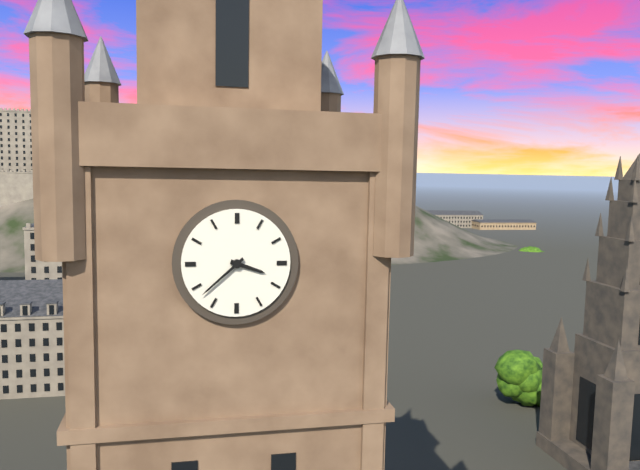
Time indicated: 3:38
